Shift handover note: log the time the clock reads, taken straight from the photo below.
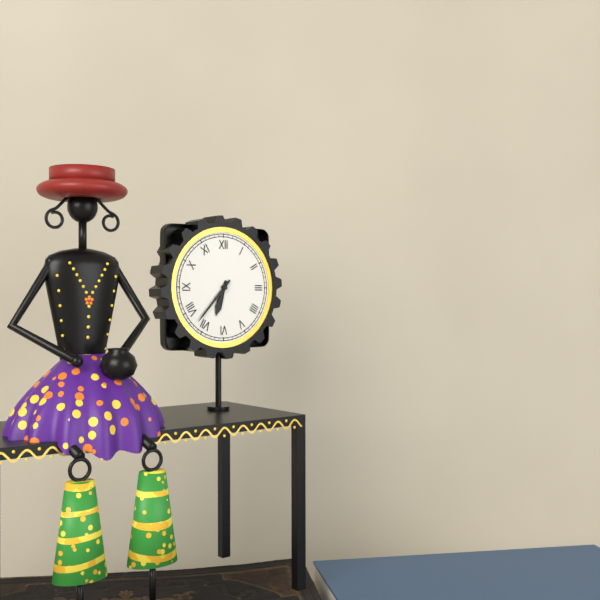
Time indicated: 6:37
